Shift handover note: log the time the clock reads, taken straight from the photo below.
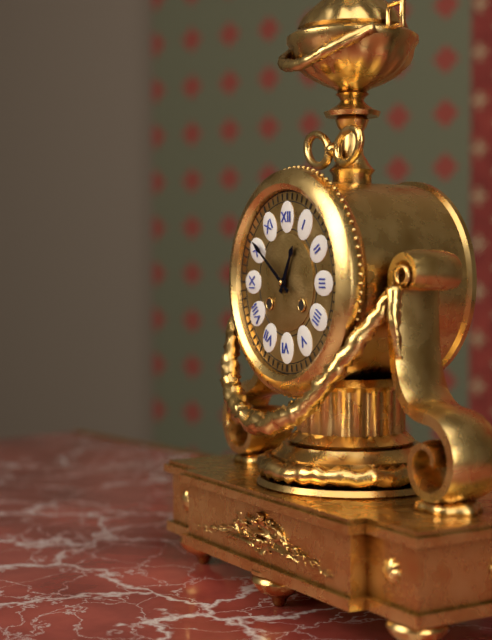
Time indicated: 12:51
